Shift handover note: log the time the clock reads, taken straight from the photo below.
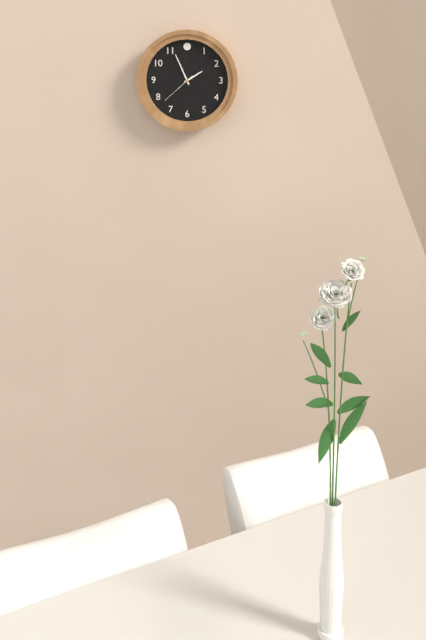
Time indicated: 1:56
